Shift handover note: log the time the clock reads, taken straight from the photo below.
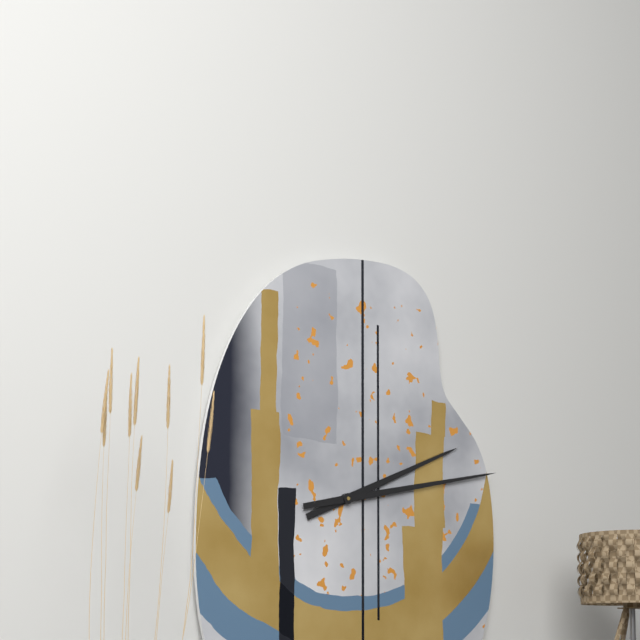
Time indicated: 2:13
